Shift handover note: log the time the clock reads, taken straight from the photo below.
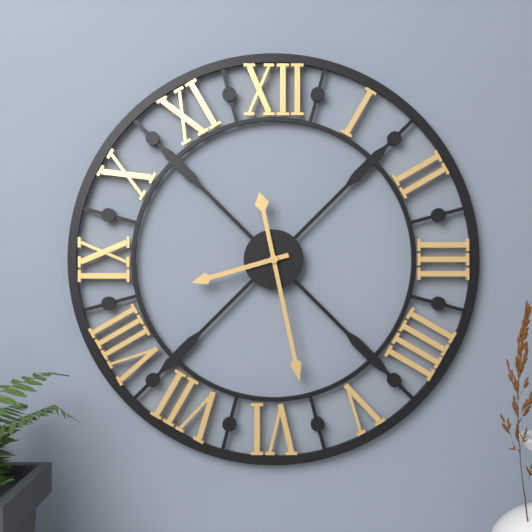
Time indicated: 8:28
